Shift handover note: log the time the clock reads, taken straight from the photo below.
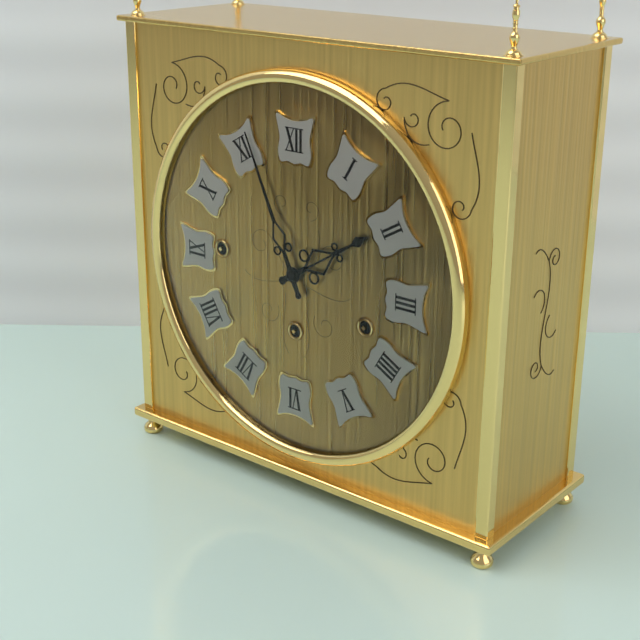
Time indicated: 1:56
